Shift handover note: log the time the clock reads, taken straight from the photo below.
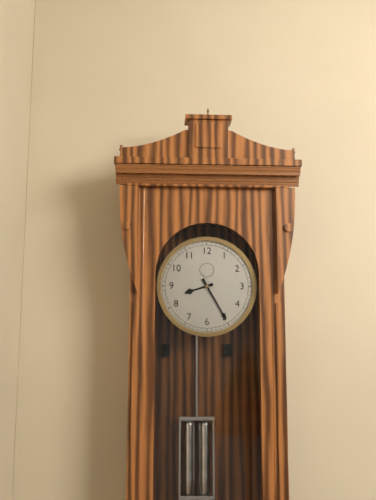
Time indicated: 8:25
